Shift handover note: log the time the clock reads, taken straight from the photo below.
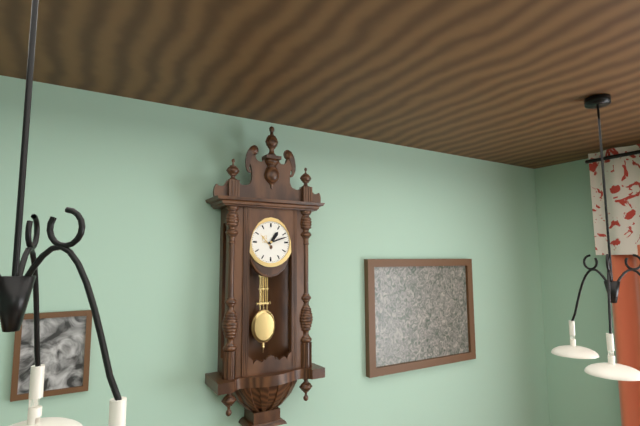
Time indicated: 1:12
